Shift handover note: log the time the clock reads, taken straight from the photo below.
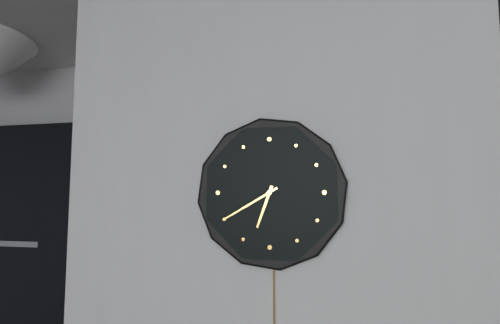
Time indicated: 6:40
